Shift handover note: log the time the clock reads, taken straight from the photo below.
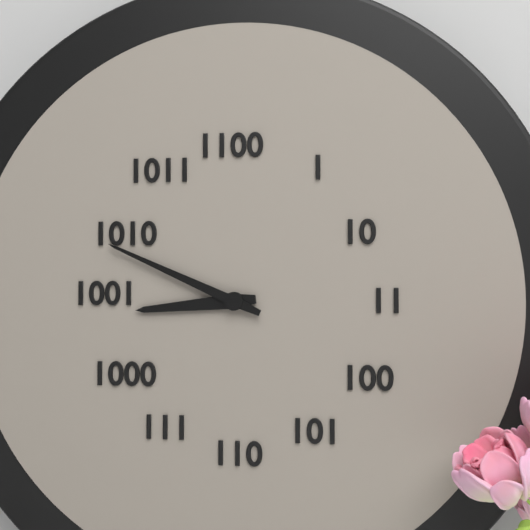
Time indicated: 8:49
